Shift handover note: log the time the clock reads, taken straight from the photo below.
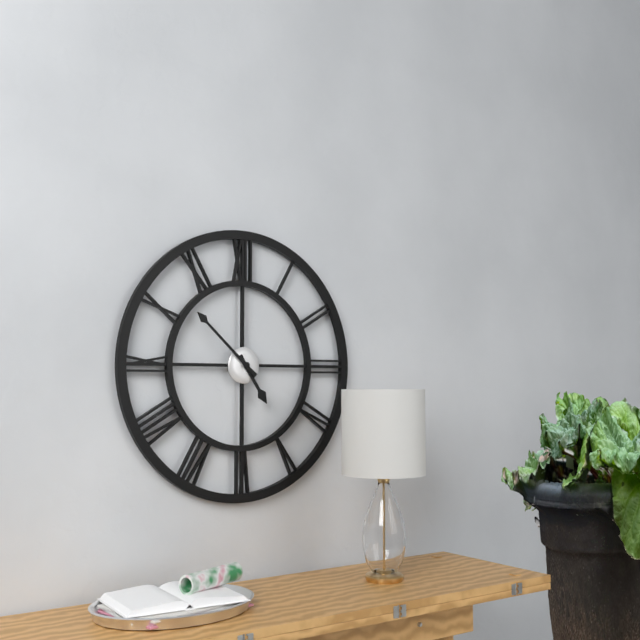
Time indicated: 4:52
